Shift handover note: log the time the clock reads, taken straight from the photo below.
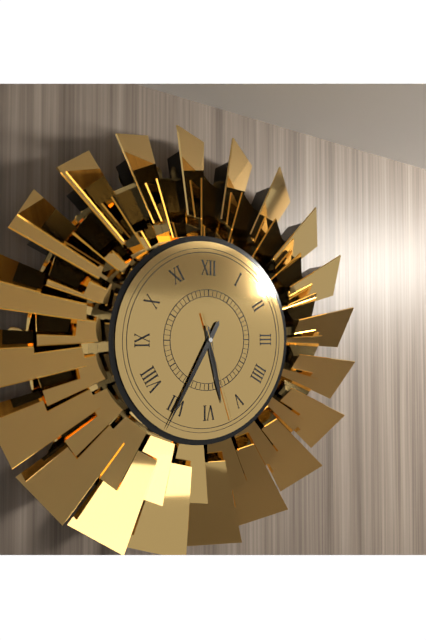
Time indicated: 5:35:27
